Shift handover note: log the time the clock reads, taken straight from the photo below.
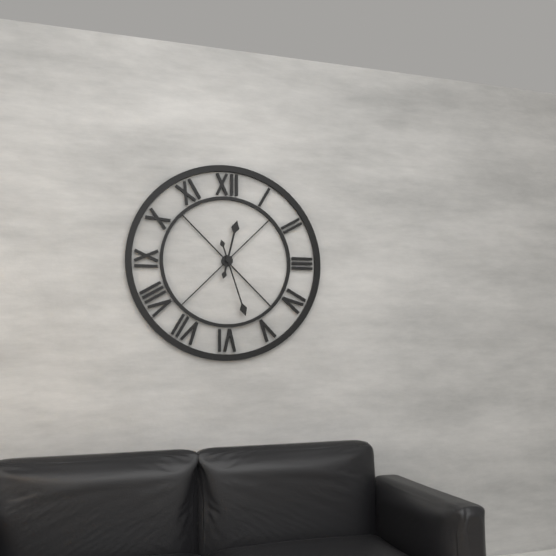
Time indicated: 12:27
